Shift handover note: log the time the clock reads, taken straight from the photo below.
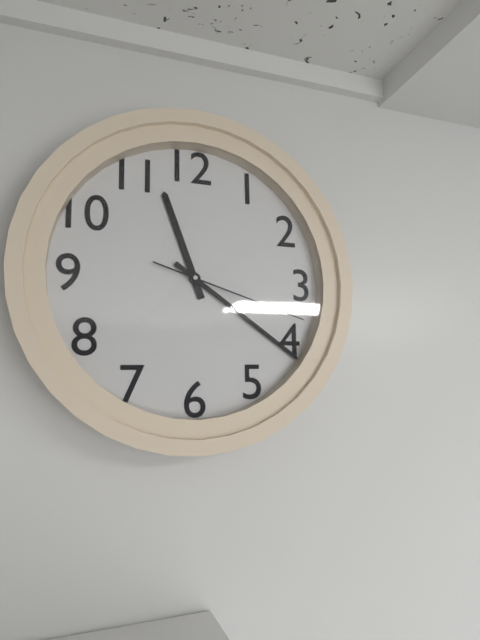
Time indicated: 11:21:18
